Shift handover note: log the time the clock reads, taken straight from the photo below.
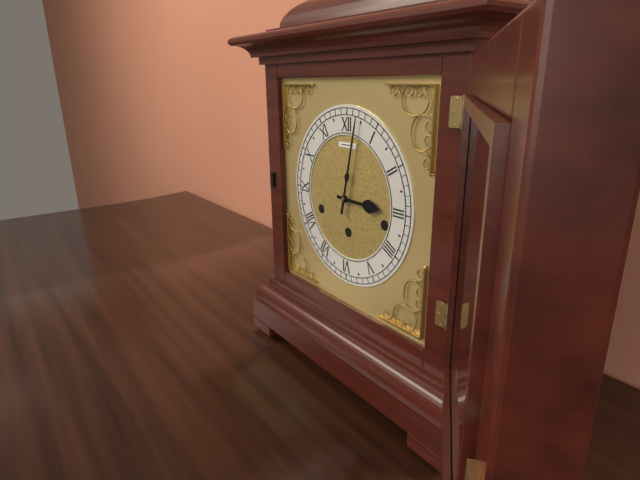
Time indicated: 3:02
